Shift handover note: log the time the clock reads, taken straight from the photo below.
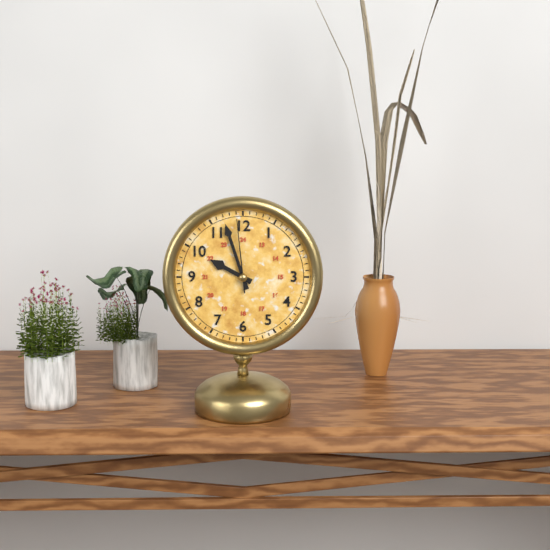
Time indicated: 9:57:59
